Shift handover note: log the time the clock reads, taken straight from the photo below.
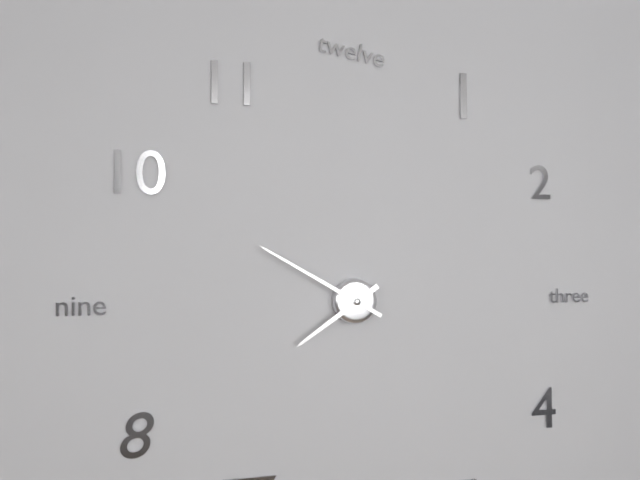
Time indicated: 7:50
